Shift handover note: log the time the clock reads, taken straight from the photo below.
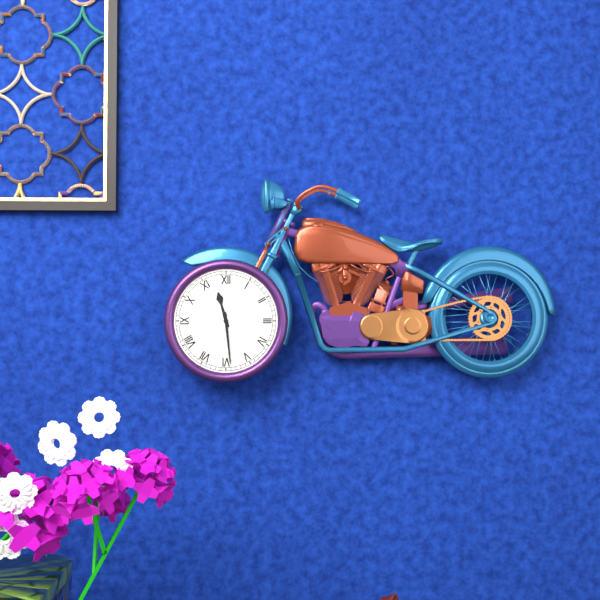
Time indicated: 11:29
